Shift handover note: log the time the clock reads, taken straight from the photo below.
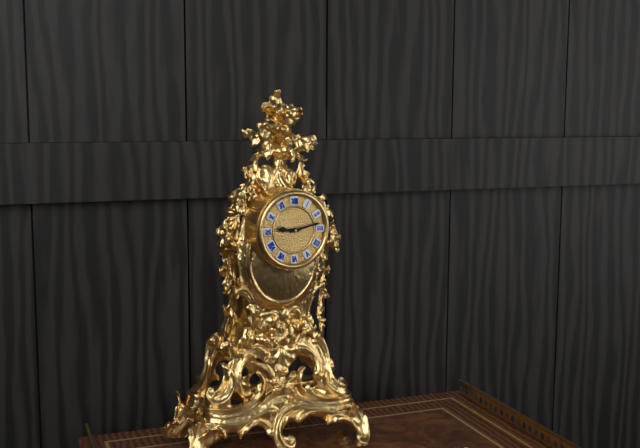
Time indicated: 9:13
